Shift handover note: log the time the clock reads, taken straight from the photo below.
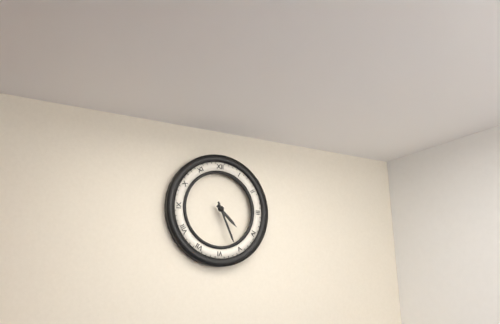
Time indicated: 4:26
